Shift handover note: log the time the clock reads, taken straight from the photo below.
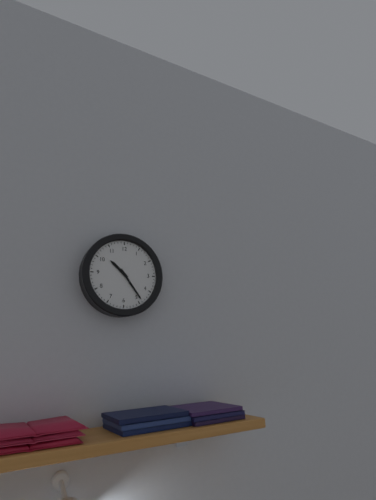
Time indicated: 10:24
